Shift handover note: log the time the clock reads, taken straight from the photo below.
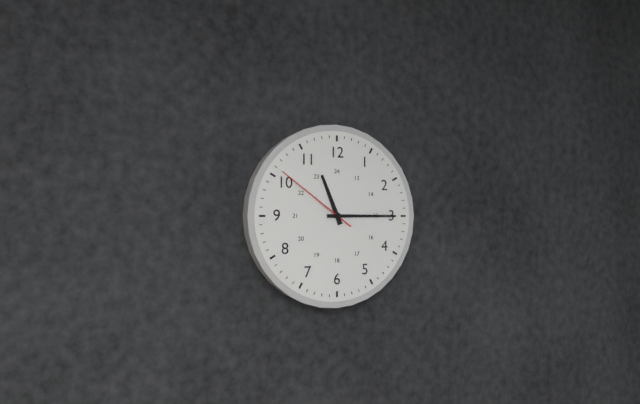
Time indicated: 11:15:51
